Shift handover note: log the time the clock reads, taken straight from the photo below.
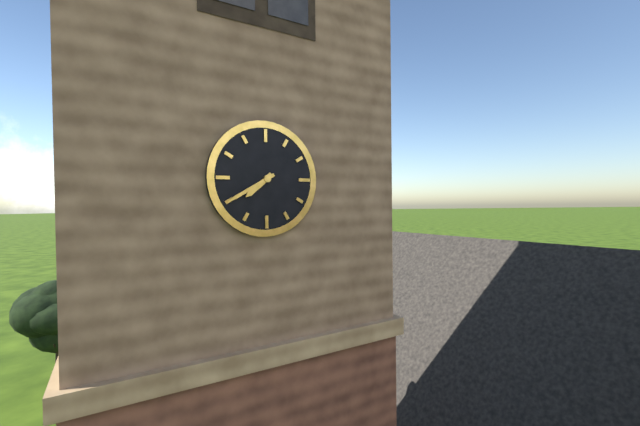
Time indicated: 7:40
